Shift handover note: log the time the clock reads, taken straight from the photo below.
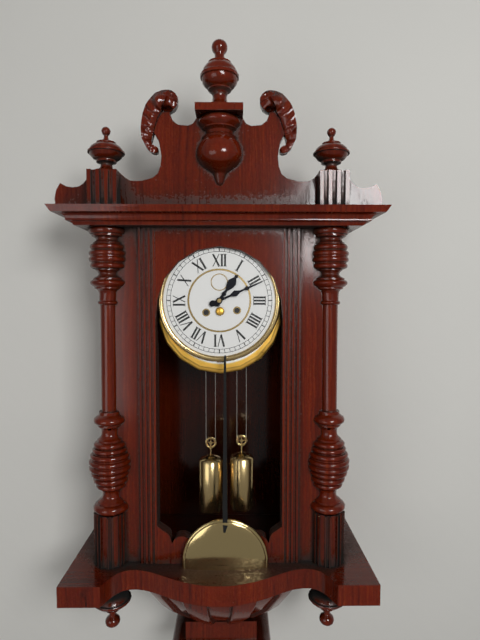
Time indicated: 1:11
